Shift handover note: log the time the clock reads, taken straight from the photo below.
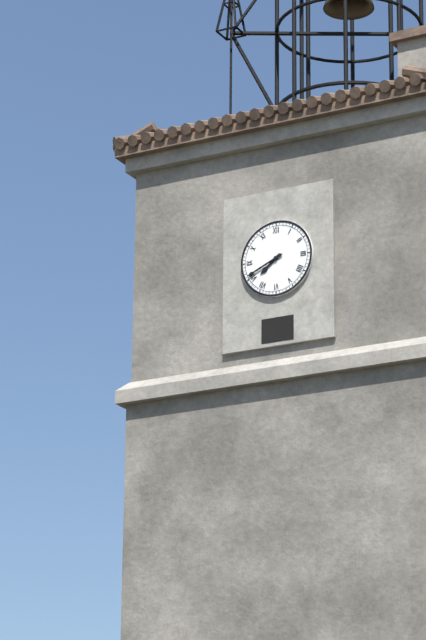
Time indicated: 7:41
